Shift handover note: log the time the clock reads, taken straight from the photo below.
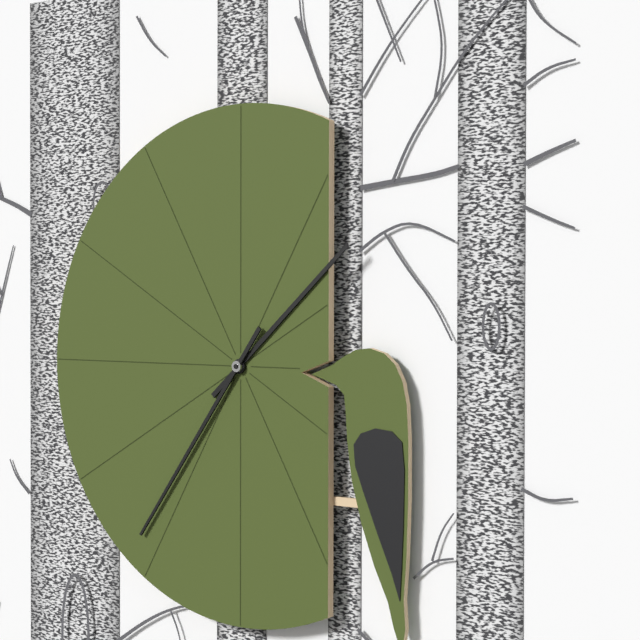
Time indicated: 1:36
